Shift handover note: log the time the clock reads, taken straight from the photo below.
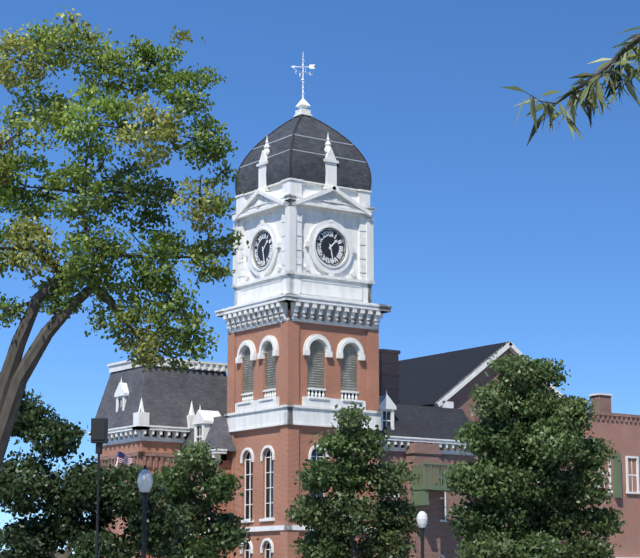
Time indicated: 1:28
